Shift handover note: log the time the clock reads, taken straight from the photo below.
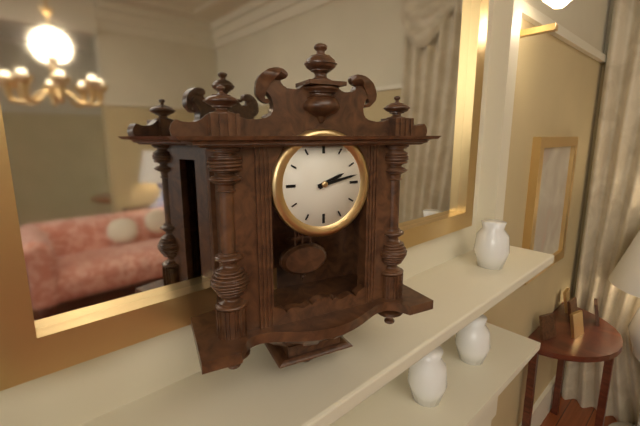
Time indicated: 2:13
